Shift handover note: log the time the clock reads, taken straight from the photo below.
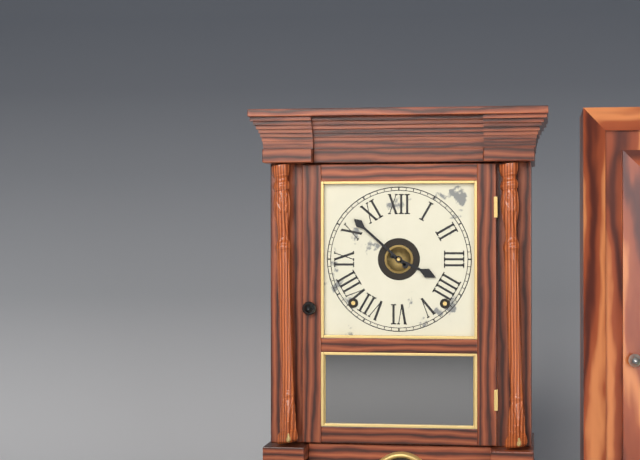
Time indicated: 3:52
